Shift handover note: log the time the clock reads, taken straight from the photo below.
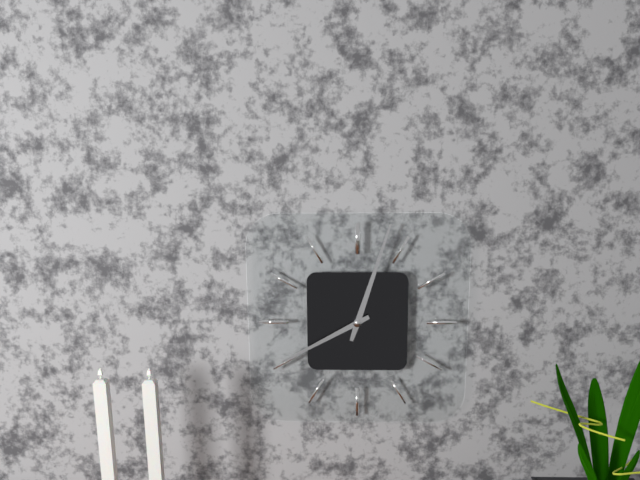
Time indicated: 8:03
